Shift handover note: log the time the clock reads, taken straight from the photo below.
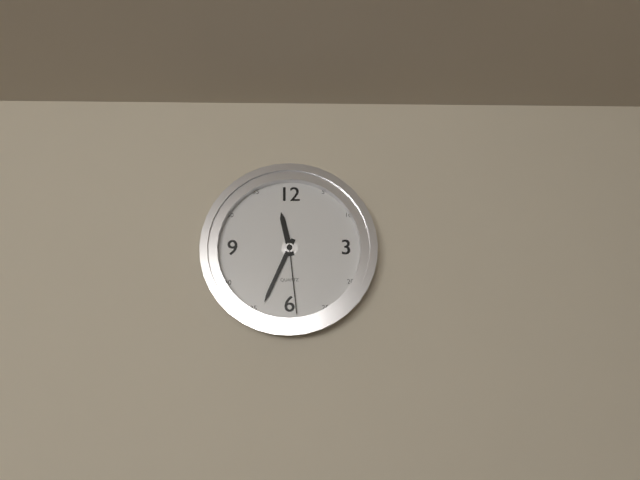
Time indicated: 11:34:29
